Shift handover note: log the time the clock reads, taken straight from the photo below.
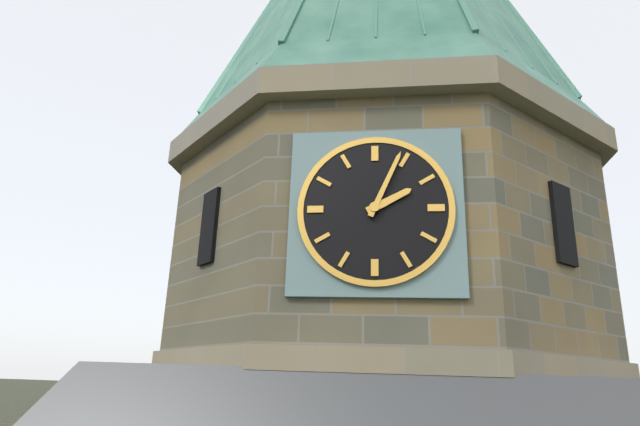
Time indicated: 2:04
